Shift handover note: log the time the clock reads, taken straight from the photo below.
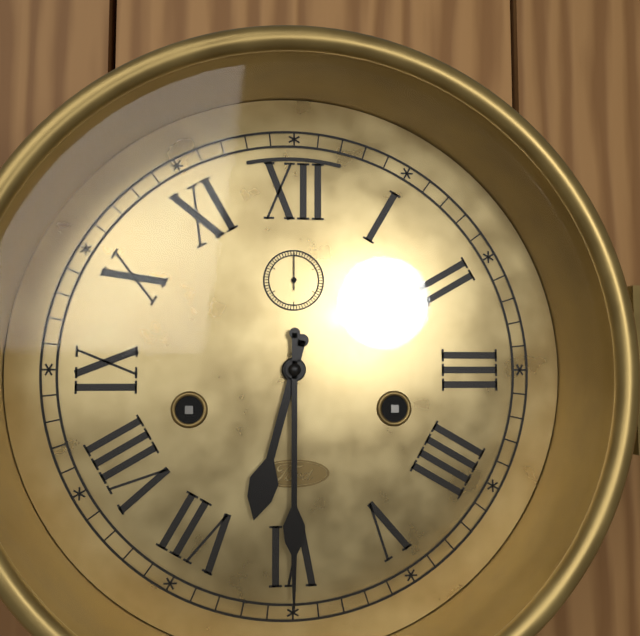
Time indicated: 6:30
